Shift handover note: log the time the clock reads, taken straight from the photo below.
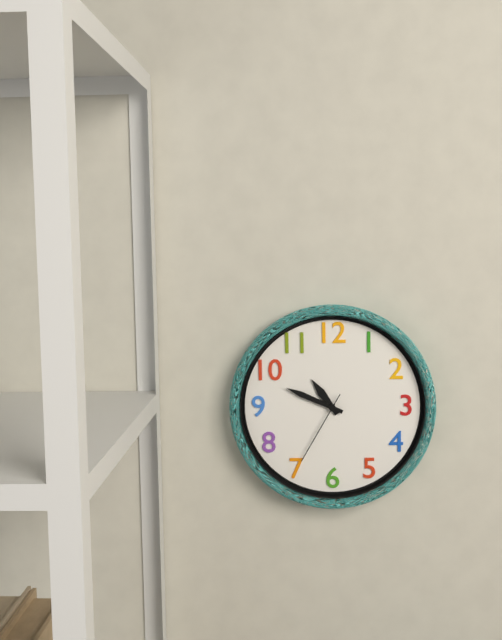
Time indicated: 10:49:35
